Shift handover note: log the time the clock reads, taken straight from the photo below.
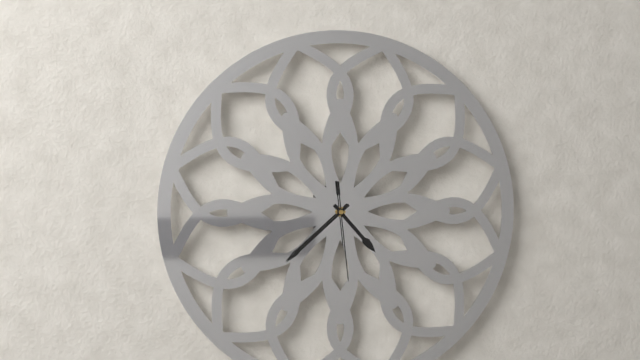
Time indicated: 4:38:29
